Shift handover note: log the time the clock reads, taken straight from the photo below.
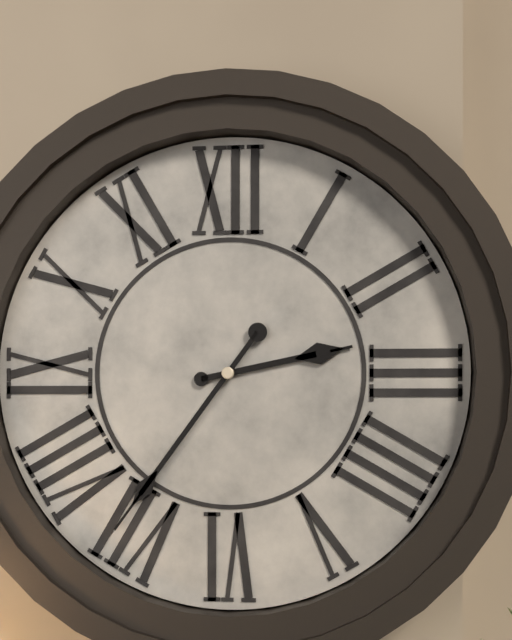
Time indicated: 2:36
